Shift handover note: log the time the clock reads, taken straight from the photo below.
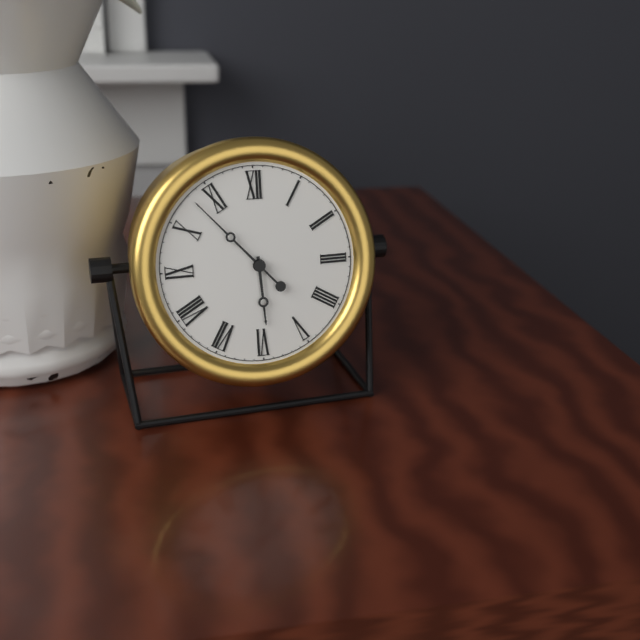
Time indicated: 5:53
